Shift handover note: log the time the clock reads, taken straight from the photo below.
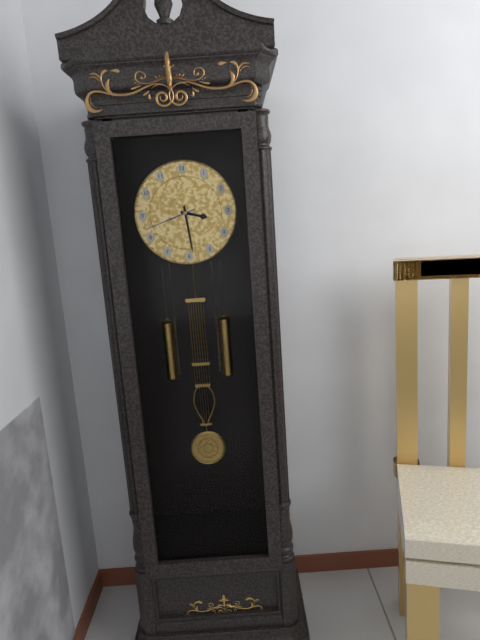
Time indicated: 3:29:42
